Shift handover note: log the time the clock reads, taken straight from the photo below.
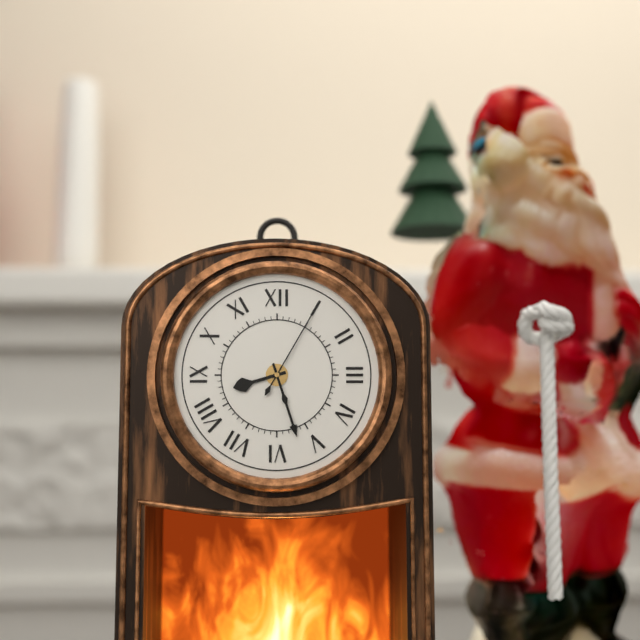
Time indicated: 8:27:05
